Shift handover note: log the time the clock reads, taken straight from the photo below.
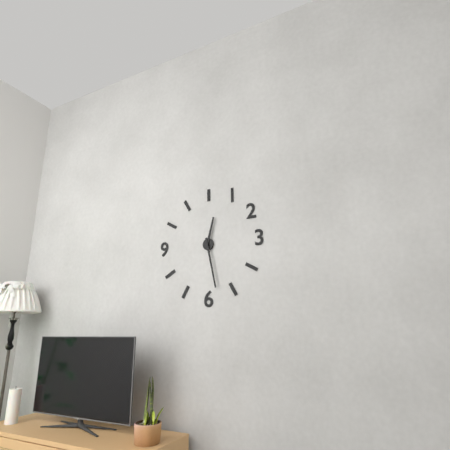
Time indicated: 12:28
